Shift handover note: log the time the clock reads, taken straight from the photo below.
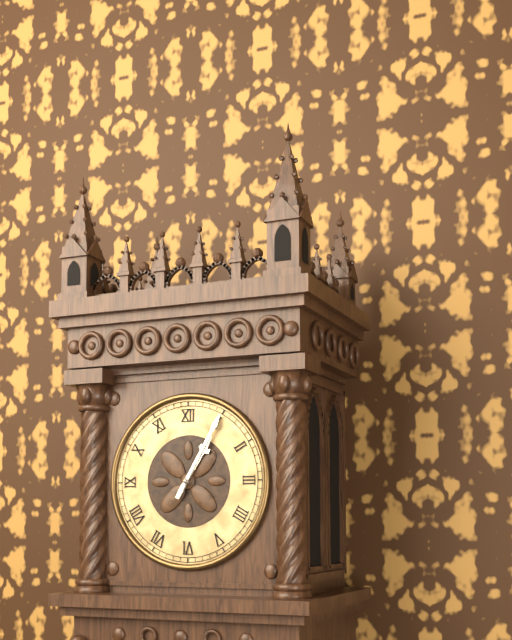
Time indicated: 1:05
